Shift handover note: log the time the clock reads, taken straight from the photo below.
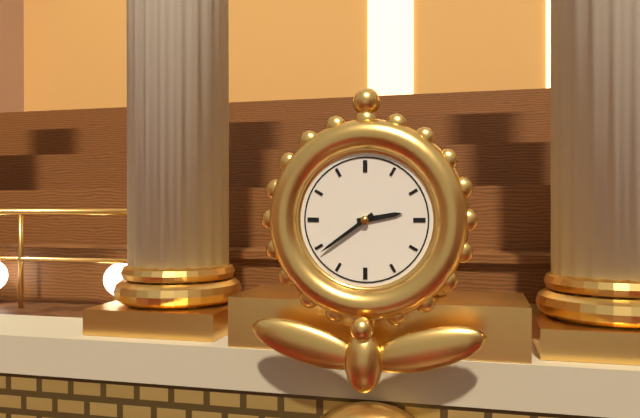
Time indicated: 2:39
